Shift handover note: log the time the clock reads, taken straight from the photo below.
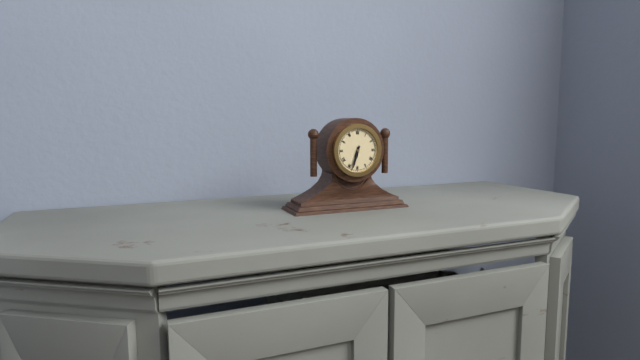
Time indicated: 6:33
